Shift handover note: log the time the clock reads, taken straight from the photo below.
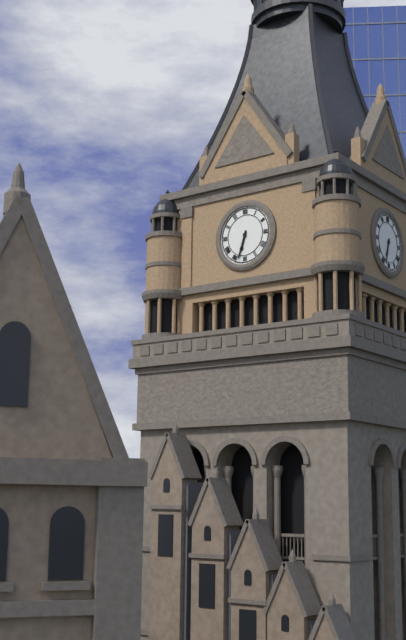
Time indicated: 6:33
